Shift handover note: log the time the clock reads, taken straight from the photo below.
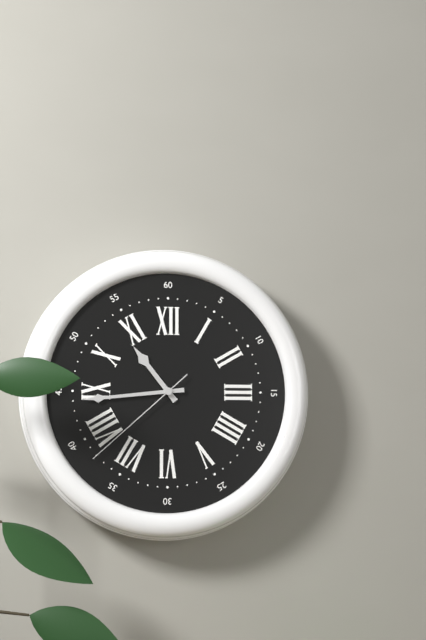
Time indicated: 10:44:38
